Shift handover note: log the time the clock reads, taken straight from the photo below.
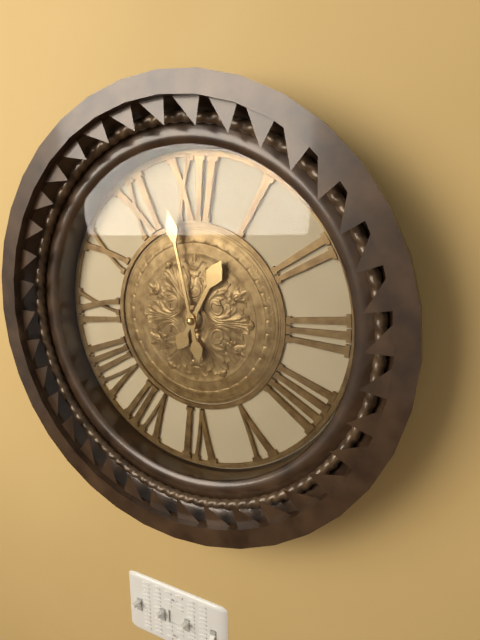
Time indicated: 12:58
